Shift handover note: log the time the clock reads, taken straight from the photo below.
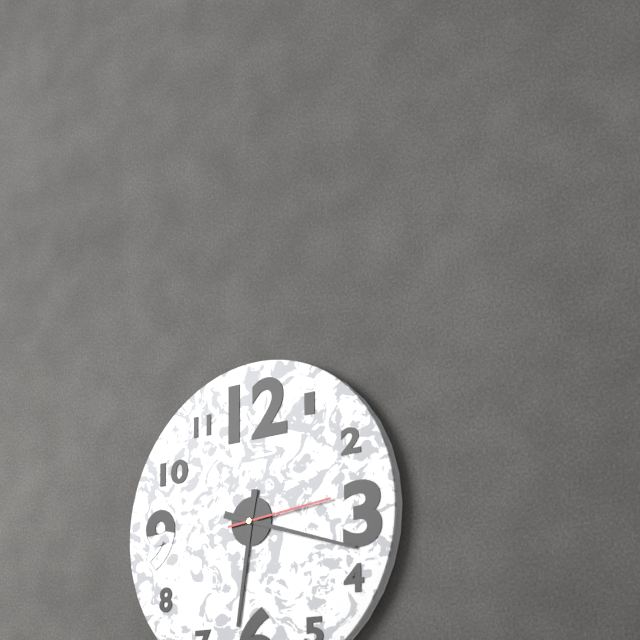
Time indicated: 6:18:14
